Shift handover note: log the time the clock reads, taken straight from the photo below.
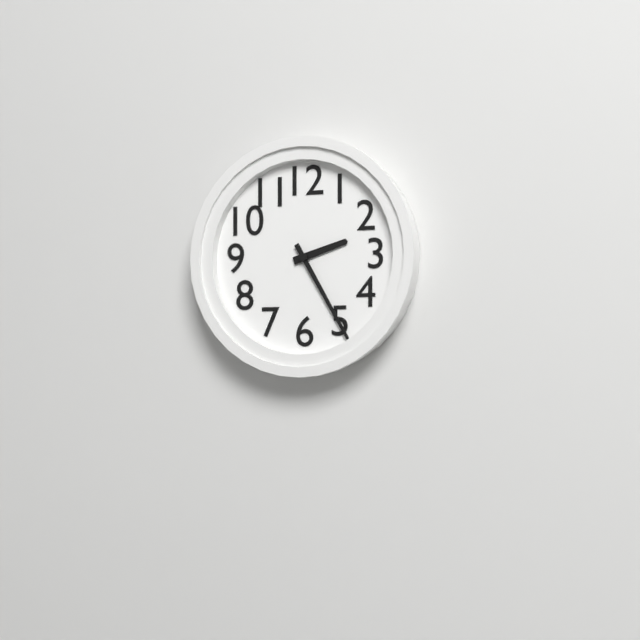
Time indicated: 2:25
